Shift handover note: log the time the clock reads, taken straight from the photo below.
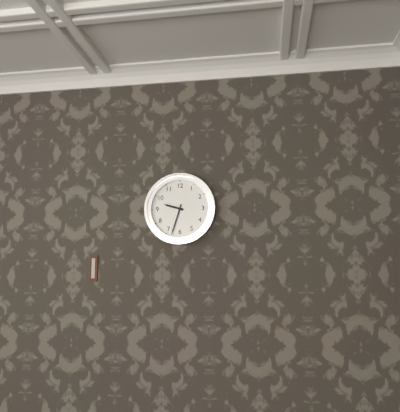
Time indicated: 9:33
